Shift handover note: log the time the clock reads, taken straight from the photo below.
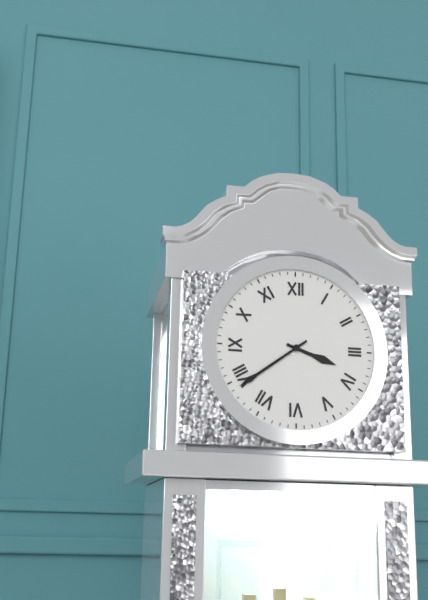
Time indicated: 3:39
